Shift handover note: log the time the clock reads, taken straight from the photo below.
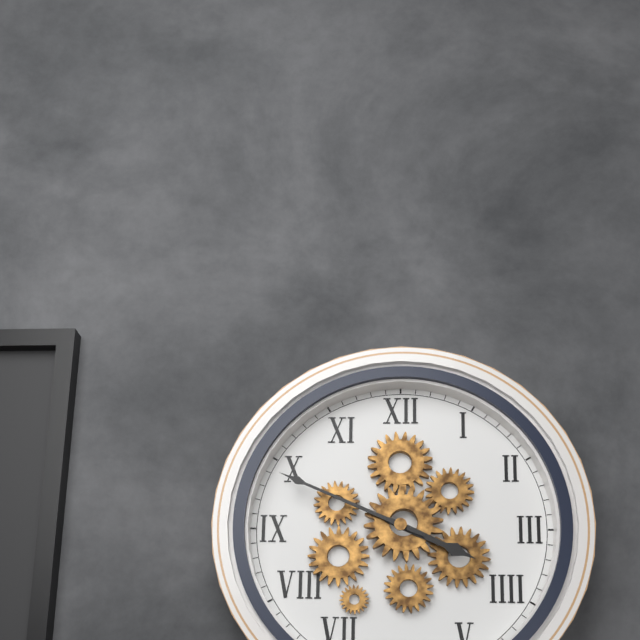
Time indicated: 3:49
